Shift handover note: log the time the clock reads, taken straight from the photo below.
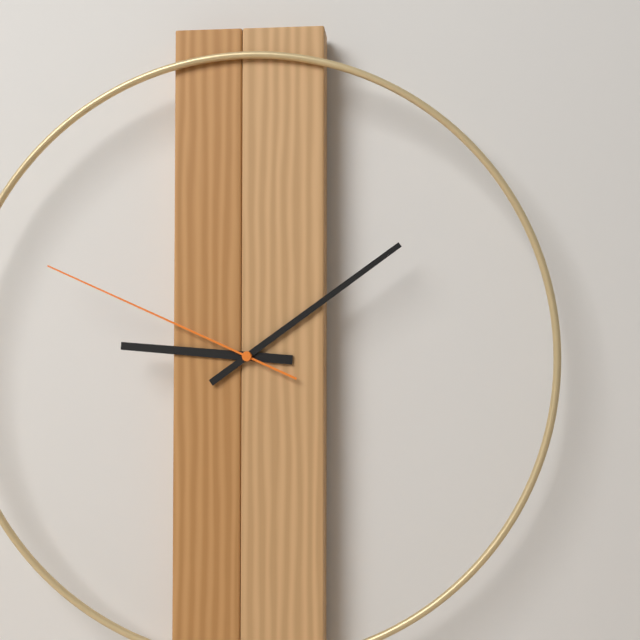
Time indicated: 9:09:49
